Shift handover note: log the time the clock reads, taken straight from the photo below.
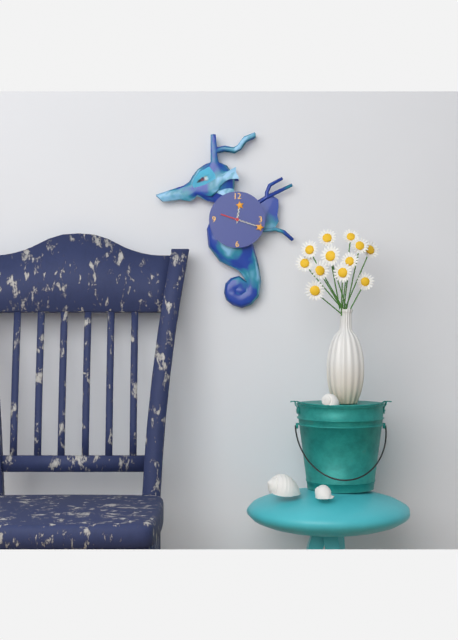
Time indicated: 12:18
